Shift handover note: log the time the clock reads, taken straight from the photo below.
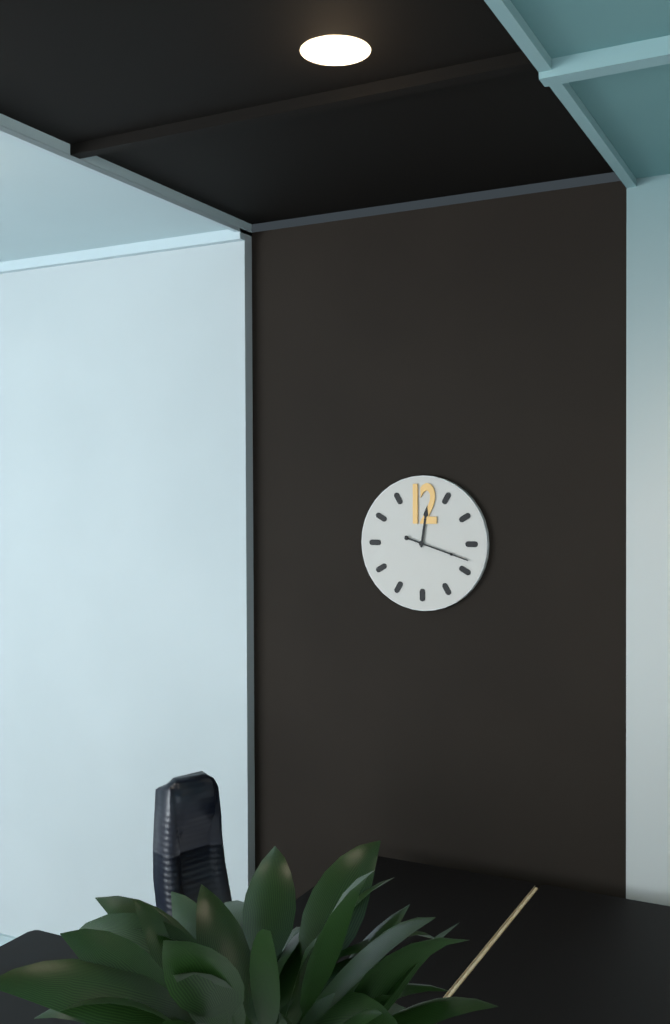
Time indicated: 12:18
